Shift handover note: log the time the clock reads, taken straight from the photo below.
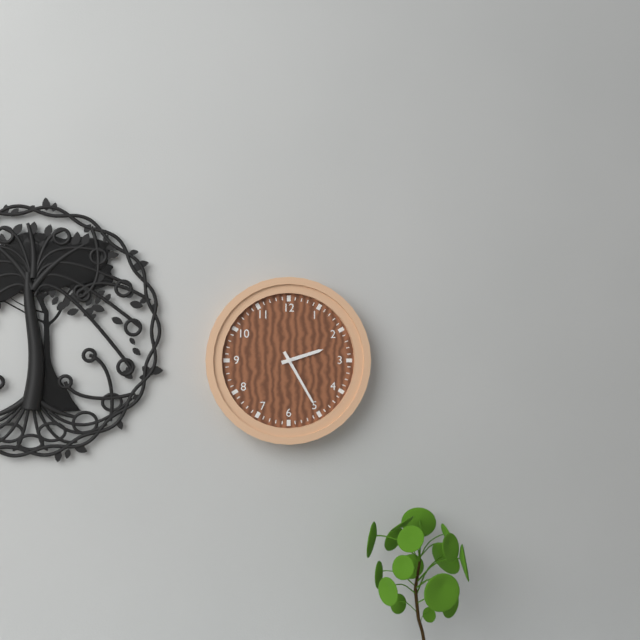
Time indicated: 2:25
